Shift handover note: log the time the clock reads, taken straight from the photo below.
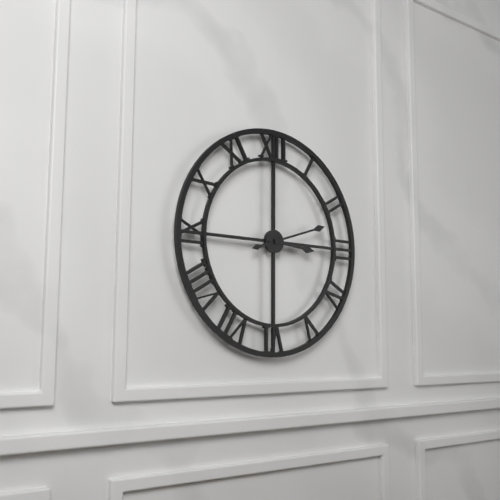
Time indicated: 3:12
